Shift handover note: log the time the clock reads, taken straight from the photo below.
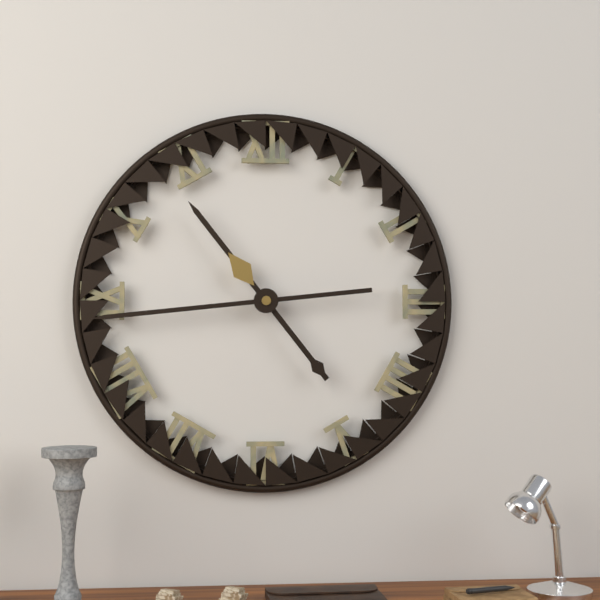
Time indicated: 10:44
